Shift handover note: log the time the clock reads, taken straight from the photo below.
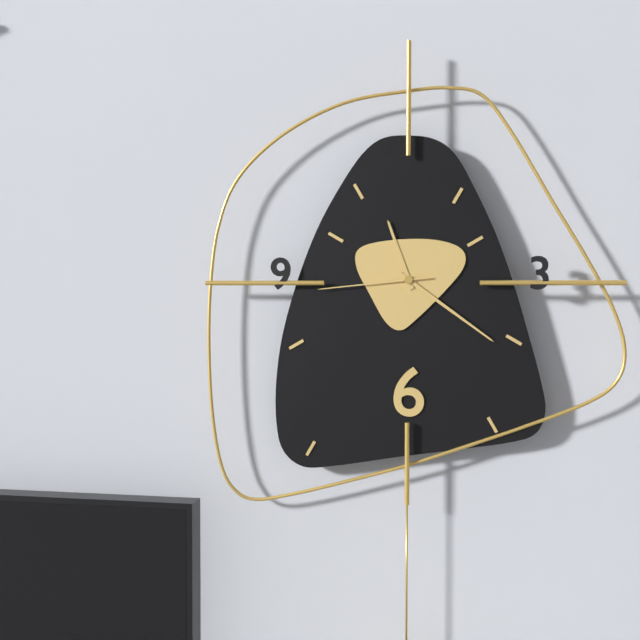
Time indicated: 11:21:44
